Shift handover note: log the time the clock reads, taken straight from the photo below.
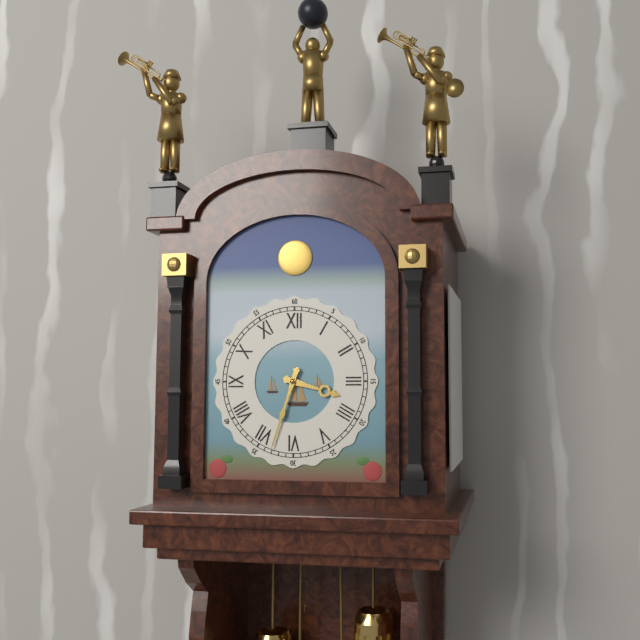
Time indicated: 3:33
